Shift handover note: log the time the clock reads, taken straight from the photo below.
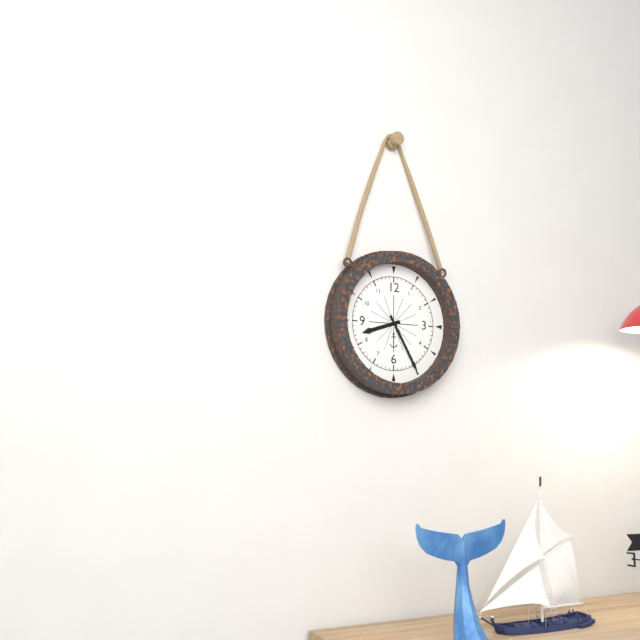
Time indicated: 8:25
